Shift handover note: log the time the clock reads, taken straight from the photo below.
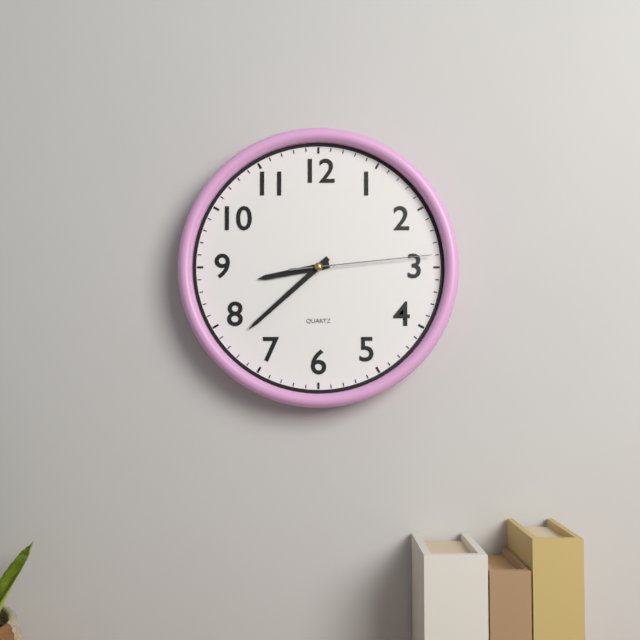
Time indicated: 8:38:14
